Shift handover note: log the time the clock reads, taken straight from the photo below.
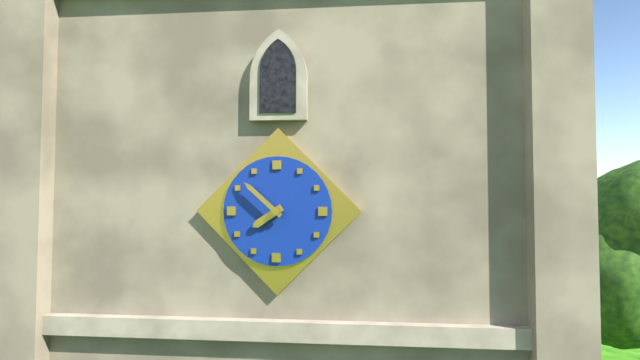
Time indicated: 7:52
